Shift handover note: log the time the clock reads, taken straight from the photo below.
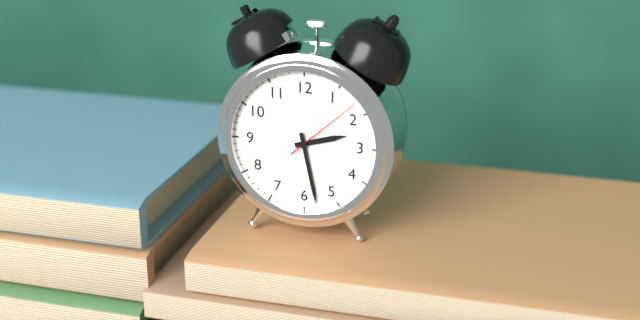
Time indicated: 2:28:08
